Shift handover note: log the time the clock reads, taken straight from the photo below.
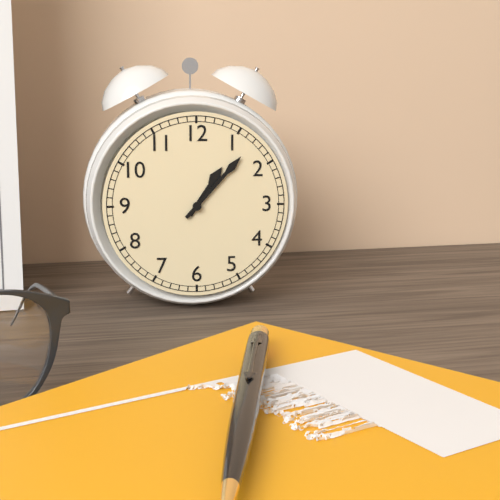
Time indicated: 1:07
